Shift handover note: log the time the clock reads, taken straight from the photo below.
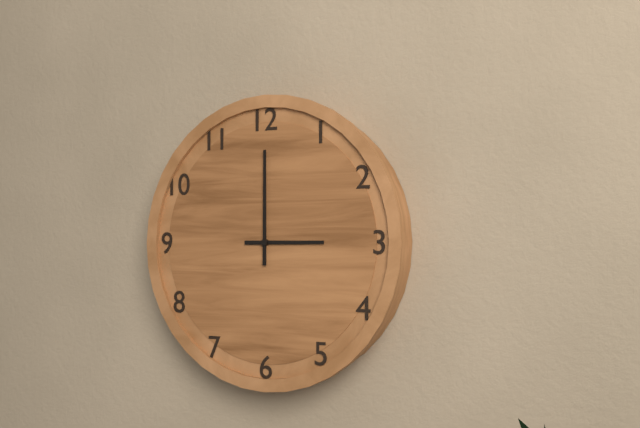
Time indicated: 3:00
